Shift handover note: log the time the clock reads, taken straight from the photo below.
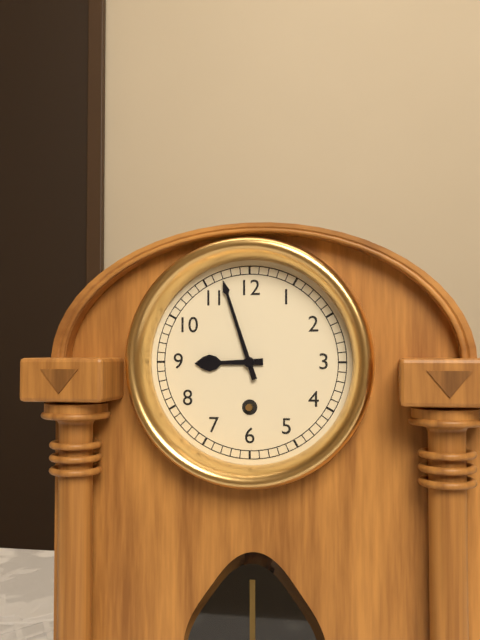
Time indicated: 8:57
